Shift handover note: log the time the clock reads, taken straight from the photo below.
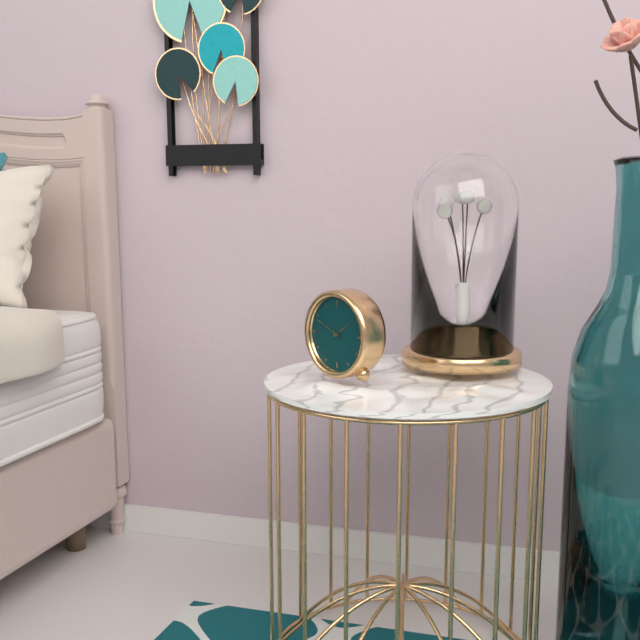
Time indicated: 1:49
